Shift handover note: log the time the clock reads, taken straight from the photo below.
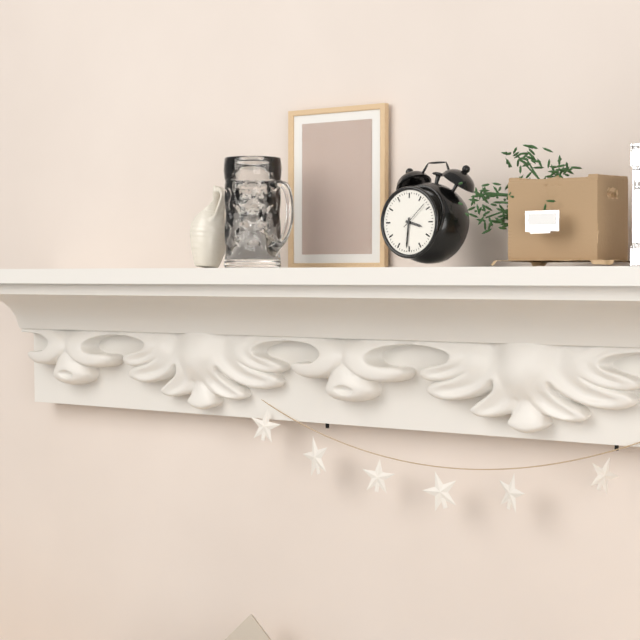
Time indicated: 3:31
